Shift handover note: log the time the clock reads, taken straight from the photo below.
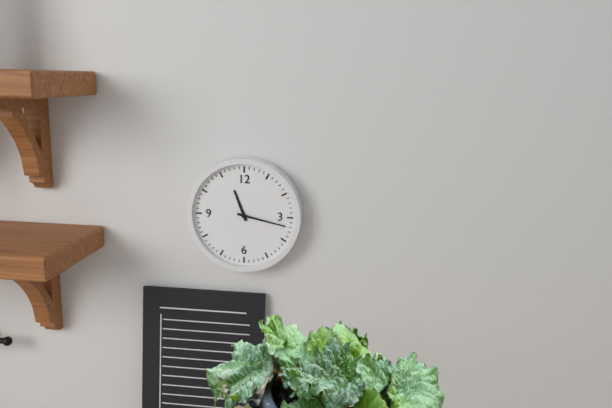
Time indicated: 11:17
